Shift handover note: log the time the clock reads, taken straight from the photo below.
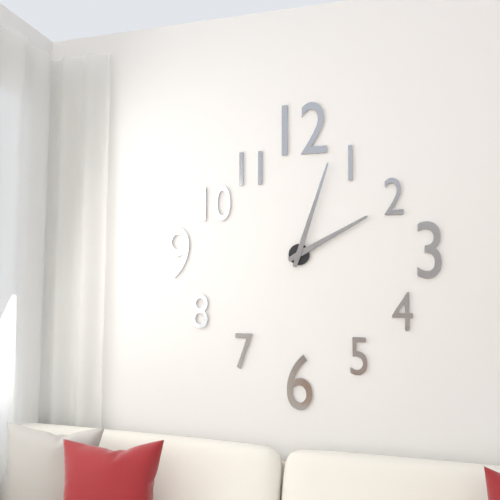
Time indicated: 2:03
